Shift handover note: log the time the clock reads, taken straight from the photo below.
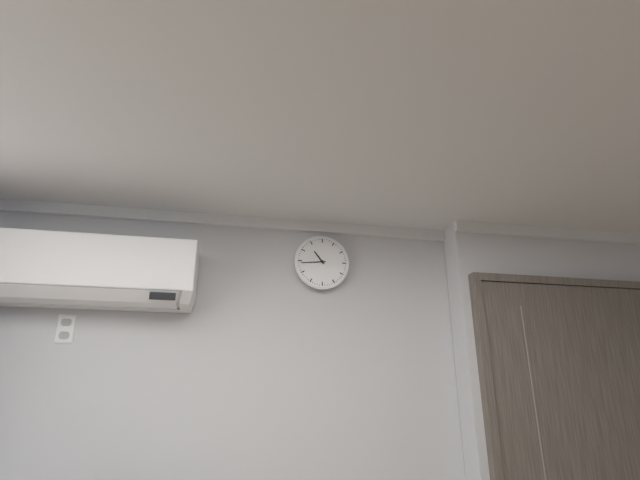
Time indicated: 10:44
